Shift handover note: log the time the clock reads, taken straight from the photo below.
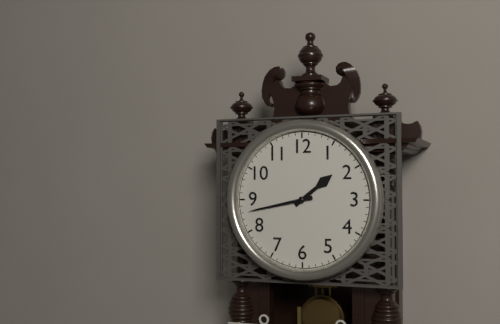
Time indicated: 1:43
